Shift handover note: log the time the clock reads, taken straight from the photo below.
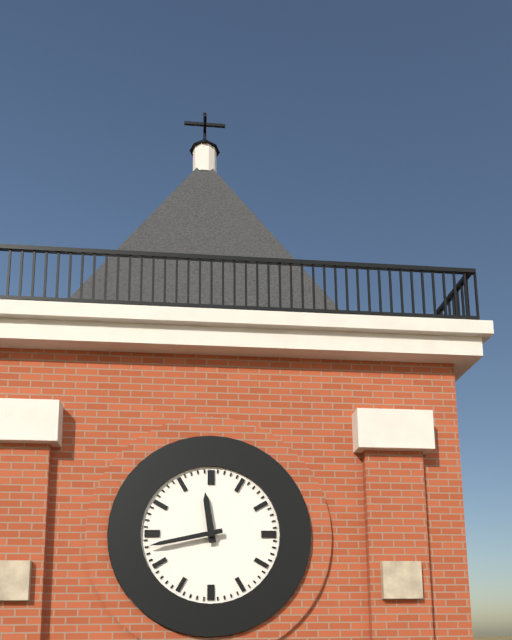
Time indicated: 11:43
